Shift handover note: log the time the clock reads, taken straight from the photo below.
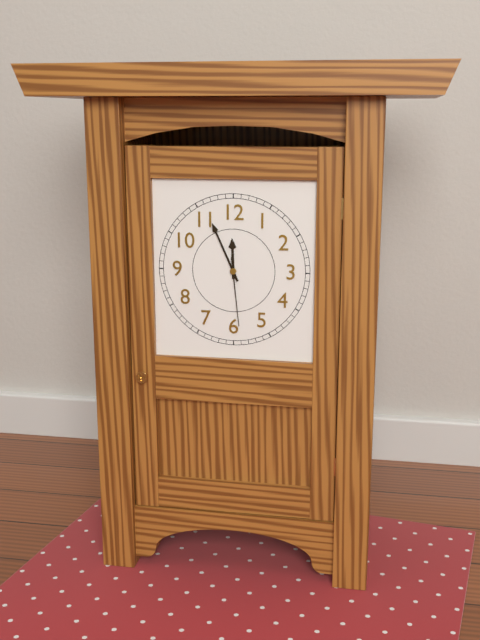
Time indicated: 11:56:29
